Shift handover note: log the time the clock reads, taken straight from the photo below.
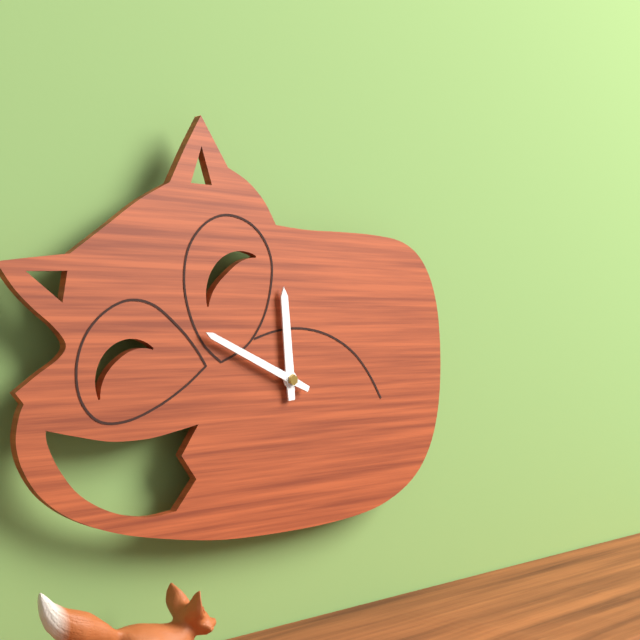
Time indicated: 11:49
